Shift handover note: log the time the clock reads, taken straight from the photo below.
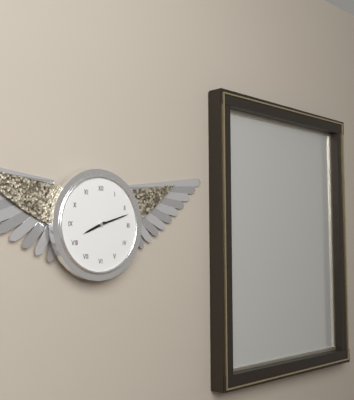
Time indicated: 8:12
